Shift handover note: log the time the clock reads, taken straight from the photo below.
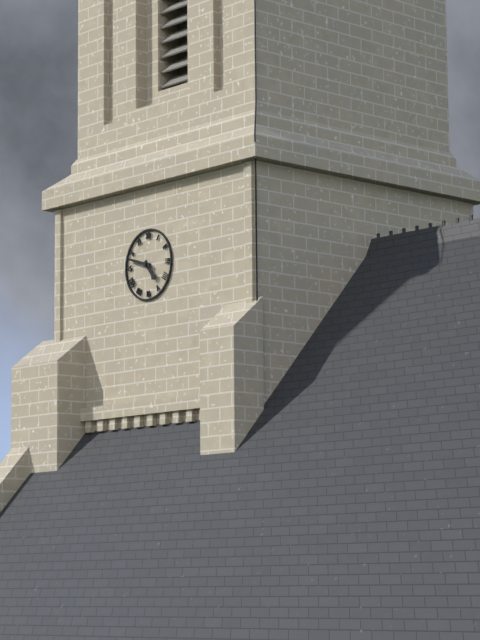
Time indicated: 4:48
